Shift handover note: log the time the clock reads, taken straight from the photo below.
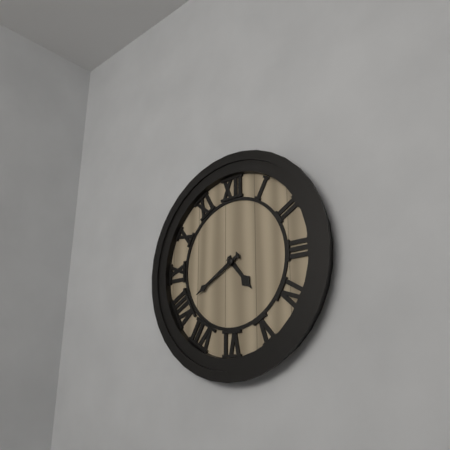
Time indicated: 4:40
